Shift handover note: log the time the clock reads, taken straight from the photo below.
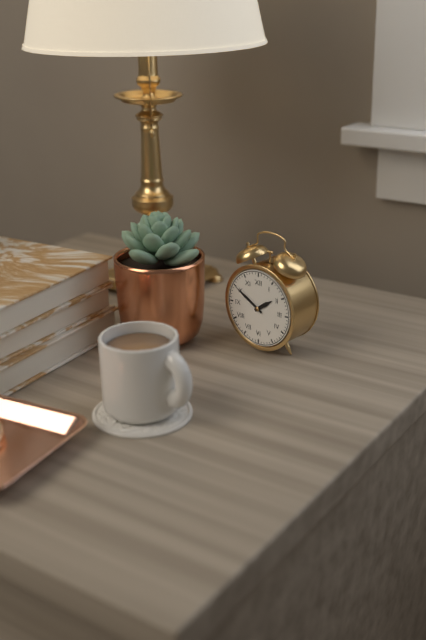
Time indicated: 1:50
